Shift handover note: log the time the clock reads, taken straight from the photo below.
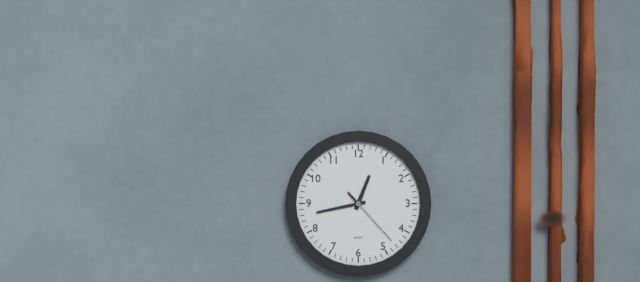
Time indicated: 12:43:23
